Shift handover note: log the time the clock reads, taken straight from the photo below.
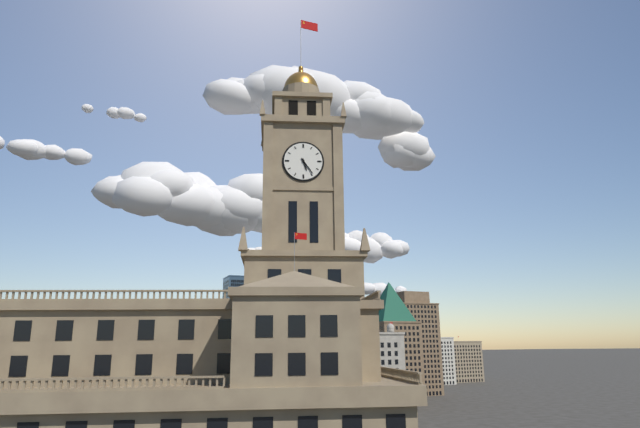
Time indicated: 5:24
